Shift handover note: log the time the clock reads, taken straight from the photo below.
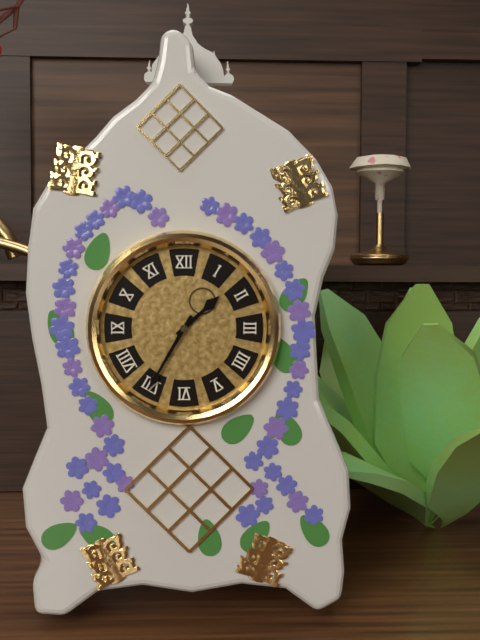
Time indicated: 1:35
